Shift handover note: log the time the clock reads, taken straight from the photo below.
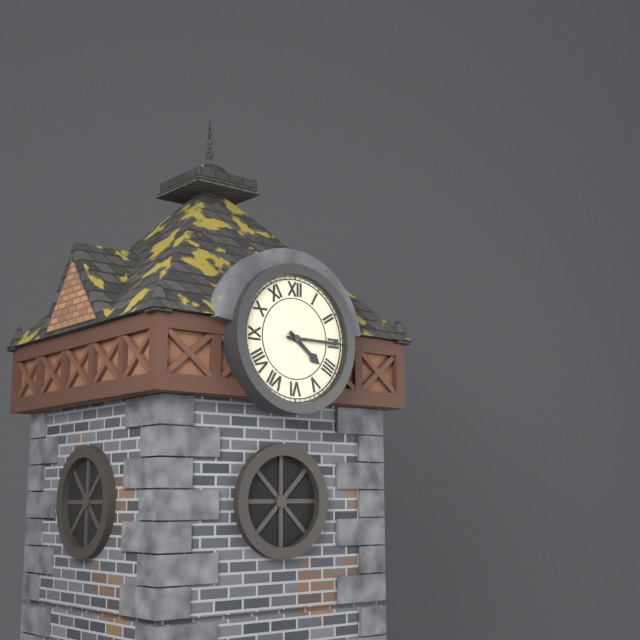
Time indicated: 4:15
